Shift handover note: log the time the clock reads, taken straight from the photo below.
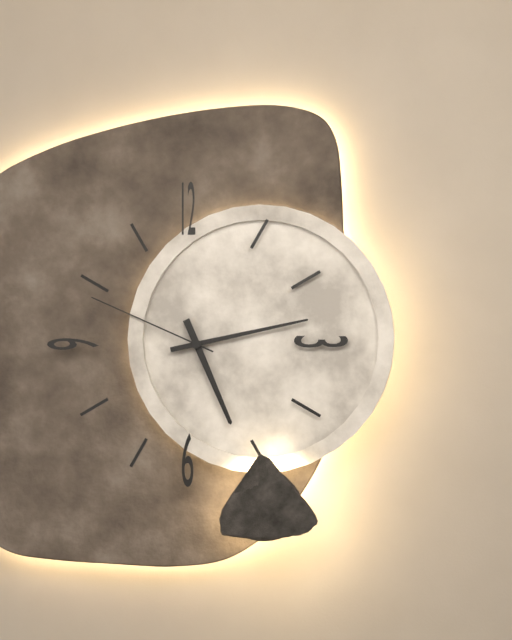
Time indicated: 5:13:49
